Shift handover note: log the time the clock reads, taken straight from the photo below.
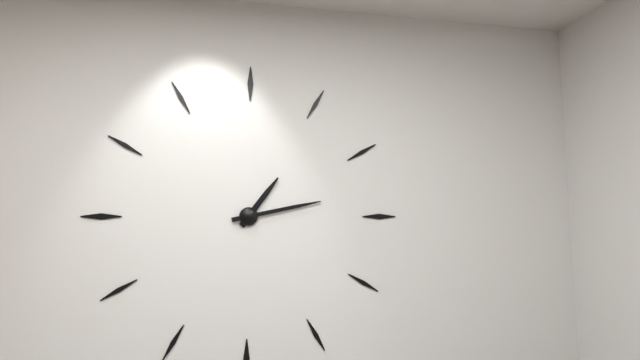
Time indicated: 1:13
